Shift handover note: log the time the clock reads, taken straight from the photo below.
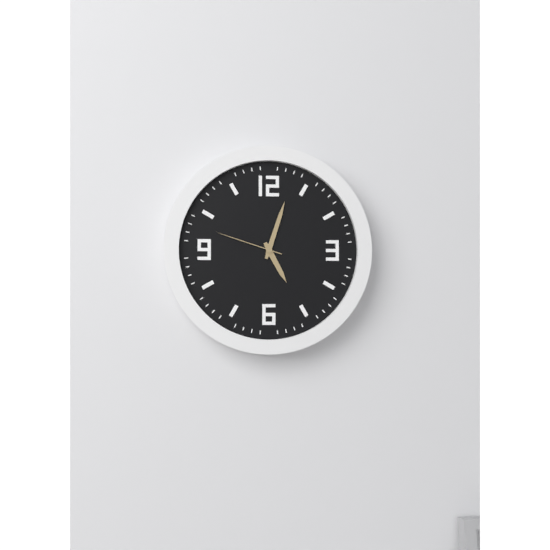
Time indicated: 5:03:48
